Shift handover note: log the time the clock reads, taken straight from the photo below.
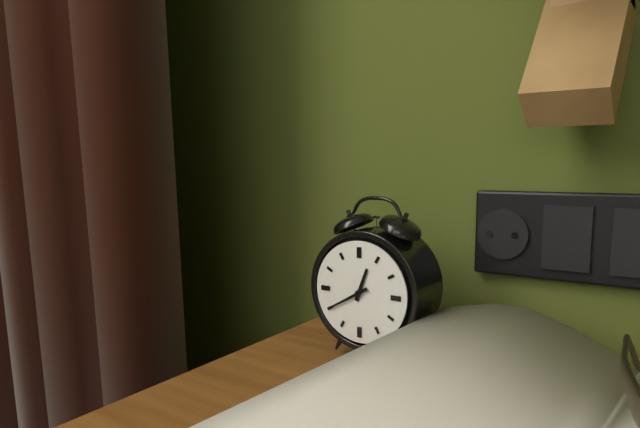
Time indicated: 12:40
